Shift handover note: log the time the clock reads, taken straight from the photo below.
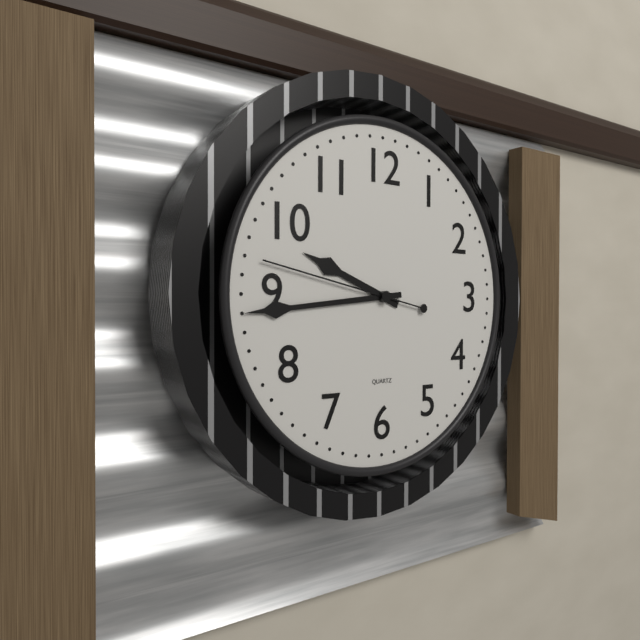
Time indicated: 9:44:47
